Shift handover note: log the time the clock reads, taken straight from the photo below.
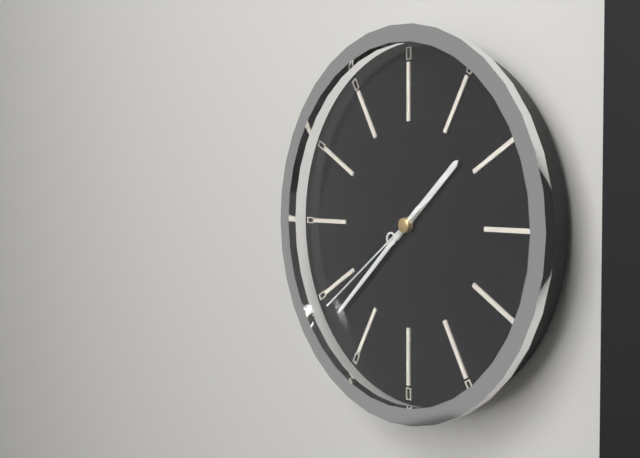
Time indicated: 1:38:39
